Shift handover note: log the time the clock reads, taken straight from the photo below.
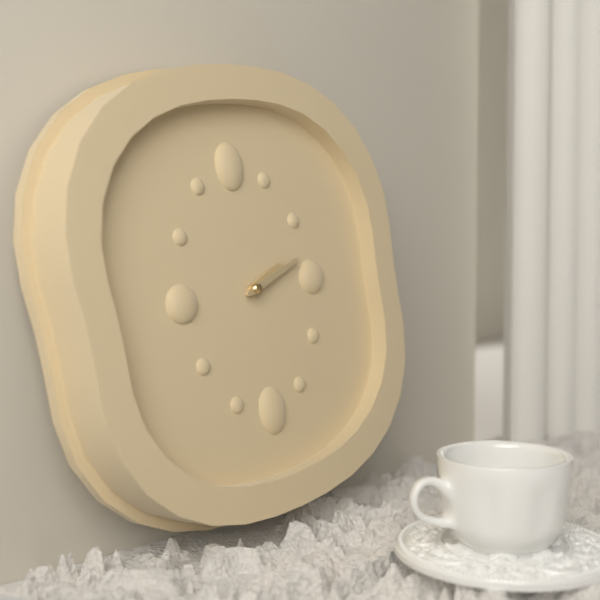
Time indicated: 2:12
